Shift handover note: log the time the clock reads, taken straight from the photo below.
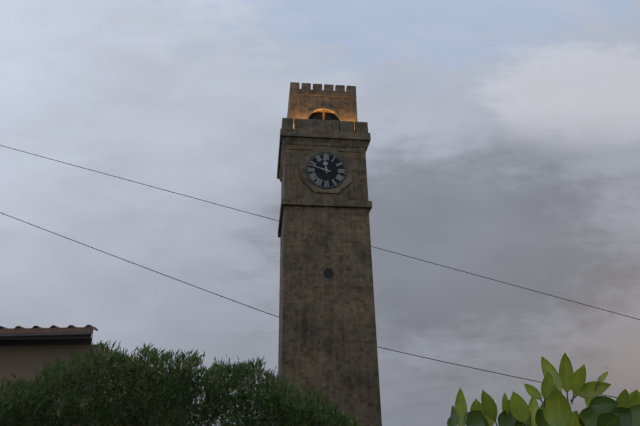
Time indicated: 11:48
